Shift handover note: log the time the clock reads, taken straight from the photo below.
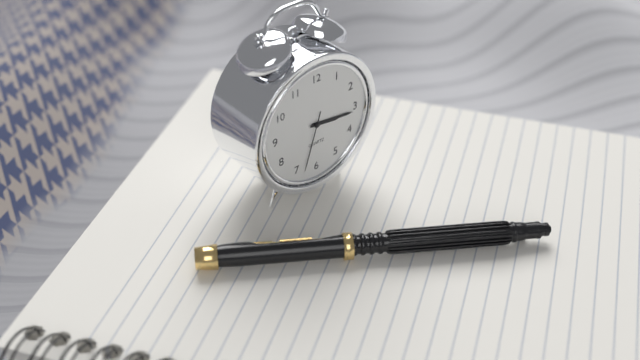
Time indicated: 3:16:33
